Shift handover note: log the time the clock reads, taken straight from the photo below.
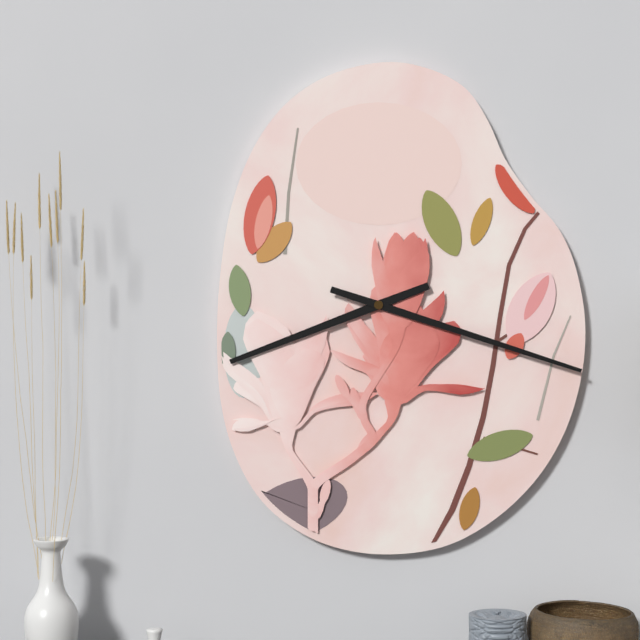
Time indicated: 8:18
